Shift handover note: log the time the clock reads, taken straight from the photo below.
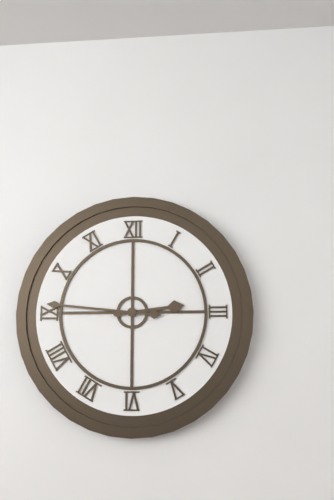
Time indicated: 2:46
